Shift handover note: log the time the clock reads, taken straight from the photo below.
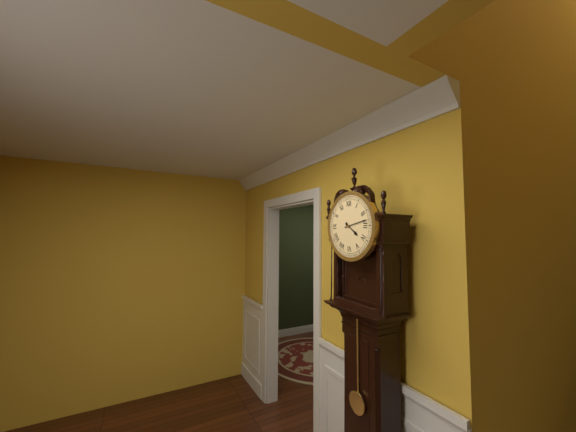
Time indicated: 4:13
